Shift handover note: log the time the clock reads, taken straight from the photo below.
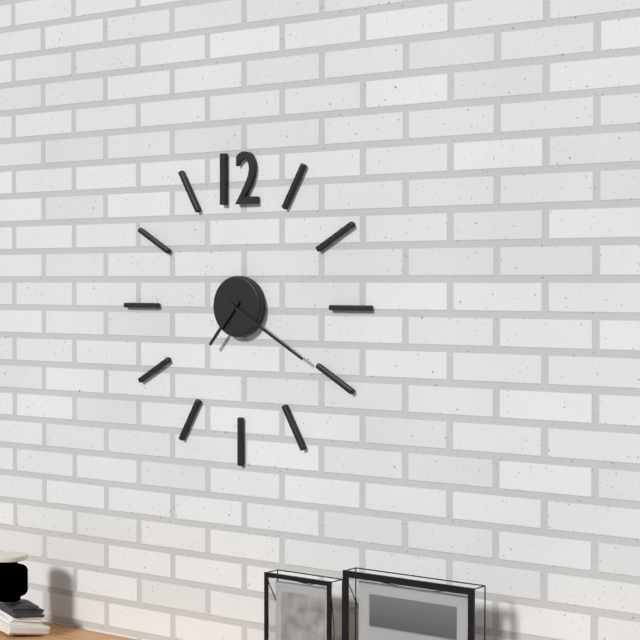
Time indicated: 7:20
